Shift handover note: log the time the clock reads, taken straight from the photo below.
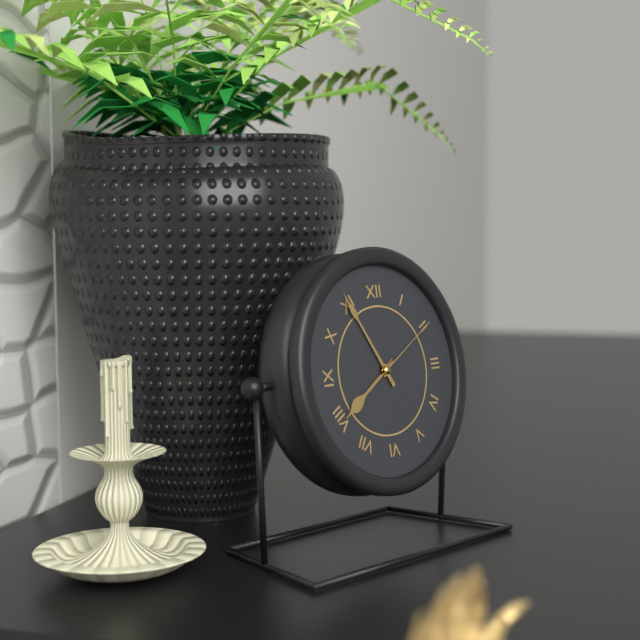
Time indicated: 7:55:10
